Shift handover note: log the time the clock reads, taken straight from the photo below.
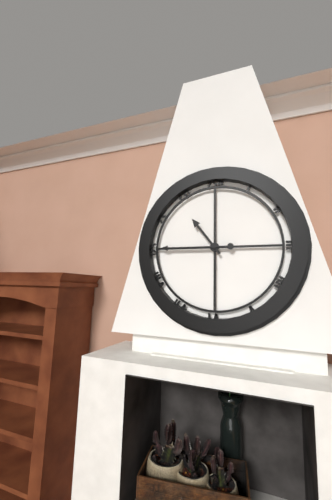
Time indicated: 10:45
